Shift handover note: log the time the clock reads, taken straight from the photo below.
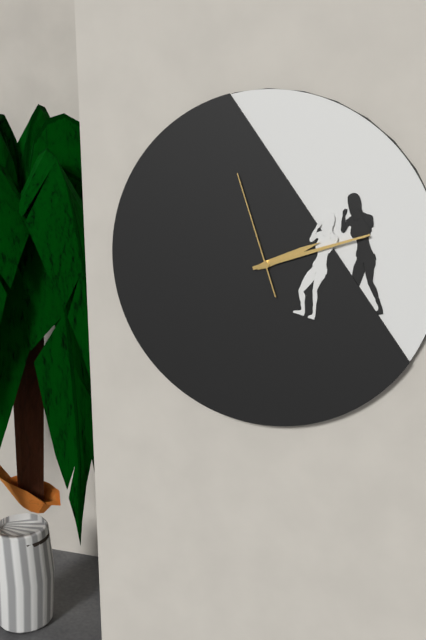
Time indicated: 2:12:57
